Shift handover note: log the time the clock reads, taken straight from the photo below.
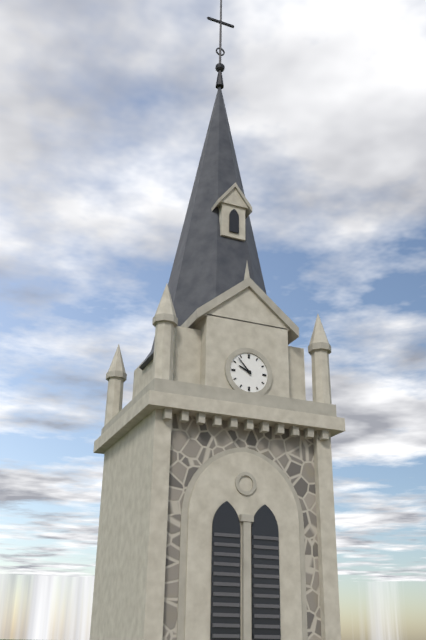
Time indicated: 9:53
